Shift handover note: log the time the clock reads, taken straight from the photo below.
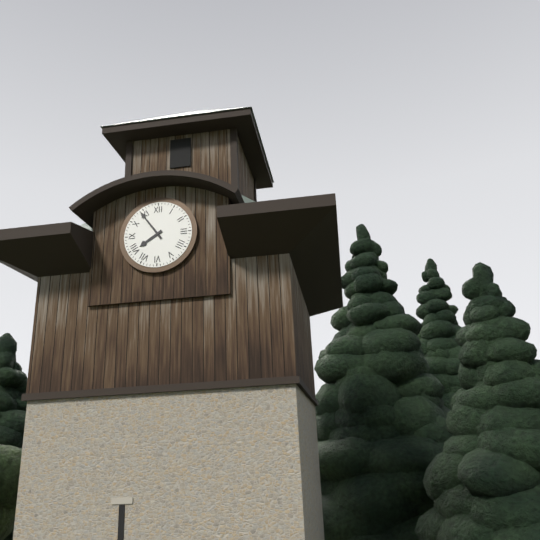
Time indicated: 7:54
